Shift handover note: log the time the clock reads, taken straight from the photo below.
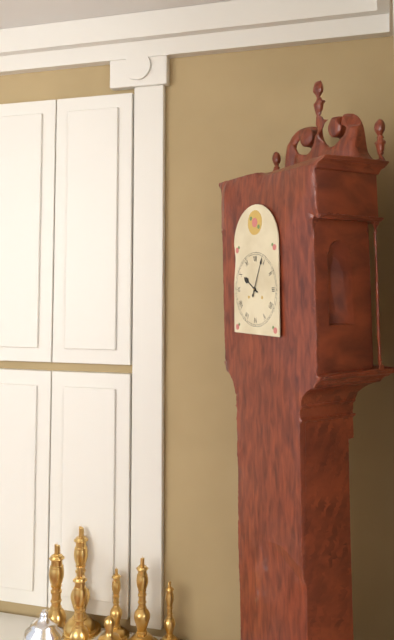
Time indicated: 10:04
